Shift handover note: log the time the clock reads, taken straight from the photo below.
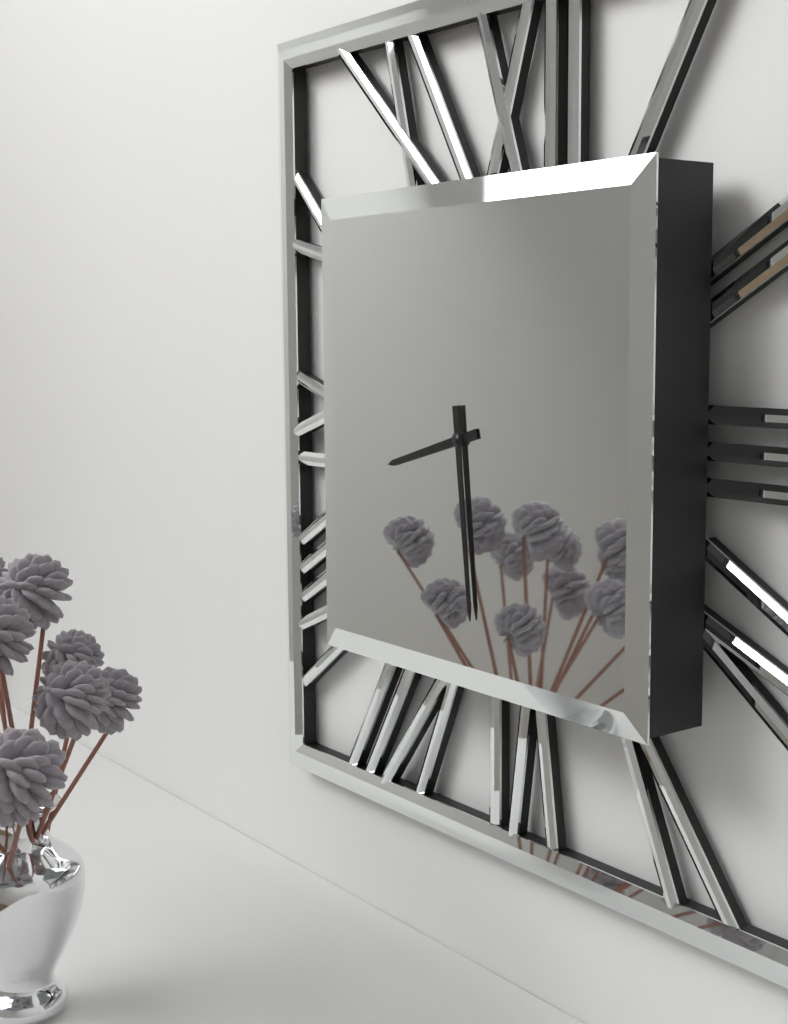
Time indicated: 8:29
